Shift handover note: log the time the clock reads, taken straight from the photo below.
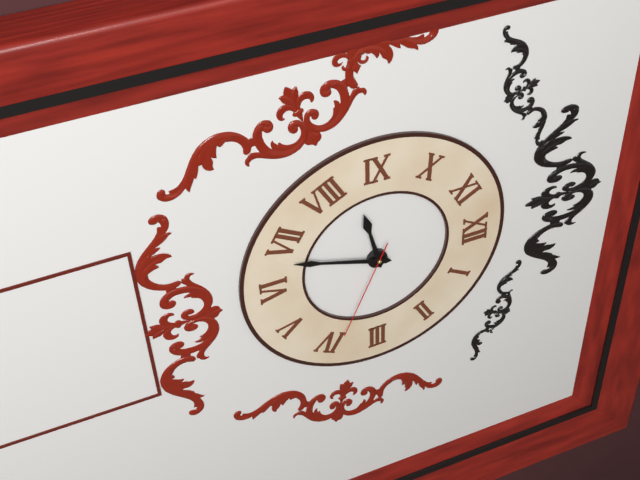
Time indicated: 8:33:19
